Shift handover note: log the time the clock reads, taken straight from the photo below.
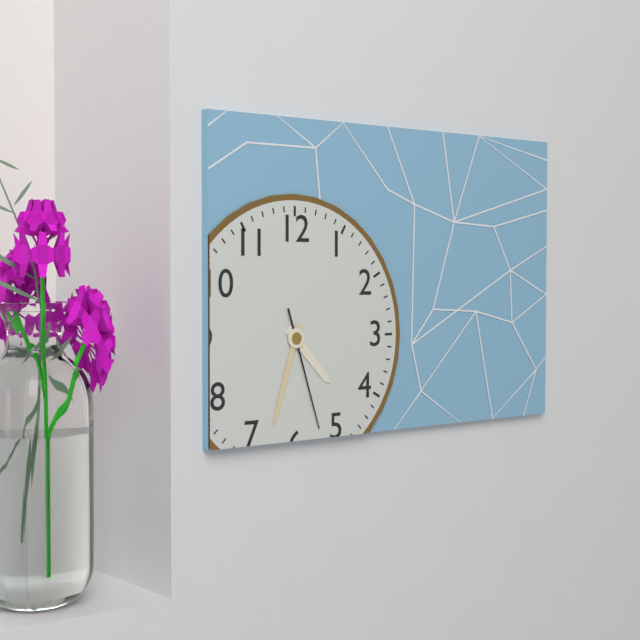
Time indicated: 4:33:27
